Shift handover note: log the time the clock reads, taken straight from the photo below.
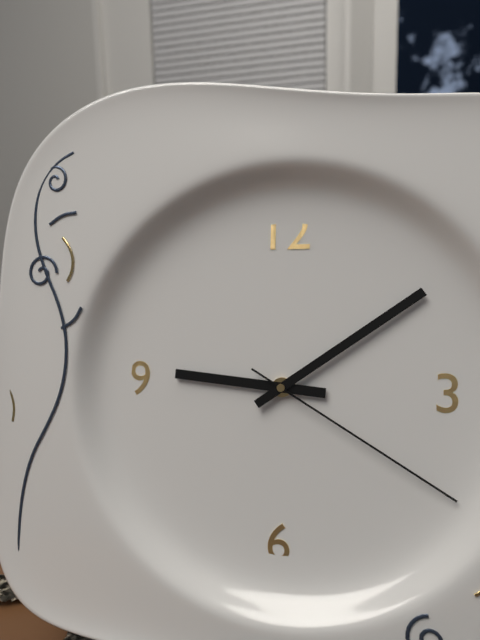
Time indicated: 9:09:20
